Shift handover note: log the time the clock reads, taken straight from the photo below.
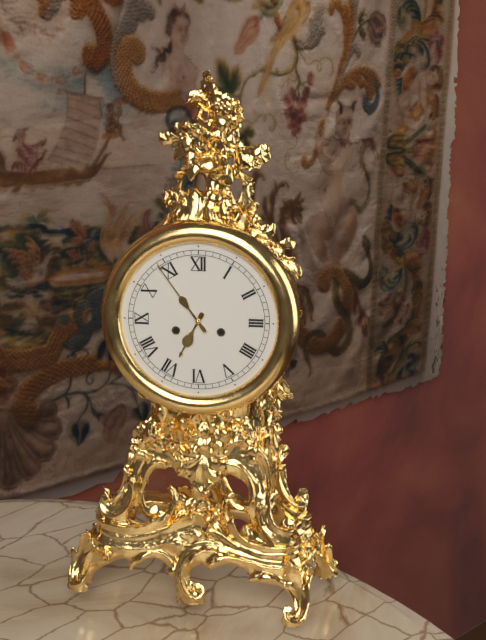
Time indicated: 6:54
